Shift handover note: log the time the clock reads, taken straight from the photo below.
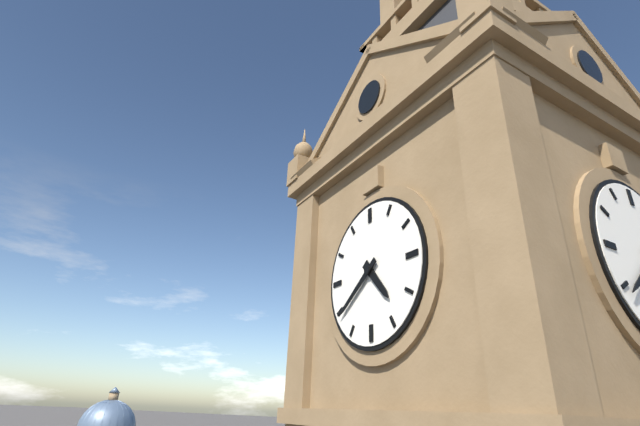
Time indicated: 4:39
